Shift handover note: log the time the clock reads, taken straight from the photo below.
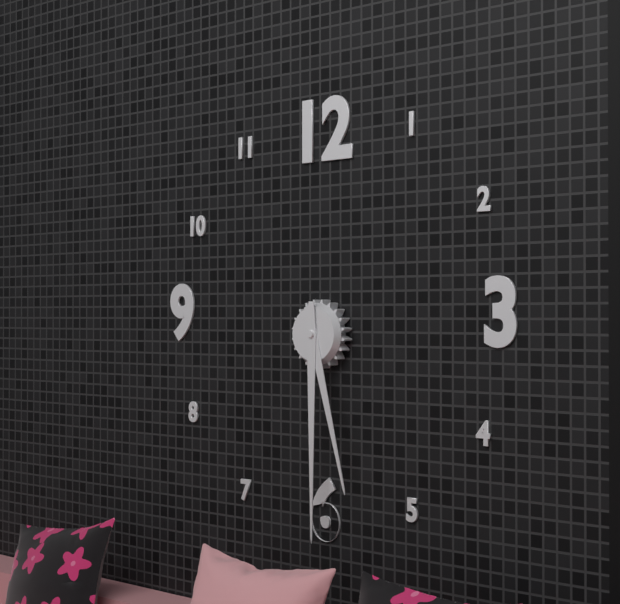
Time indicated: 5:30
